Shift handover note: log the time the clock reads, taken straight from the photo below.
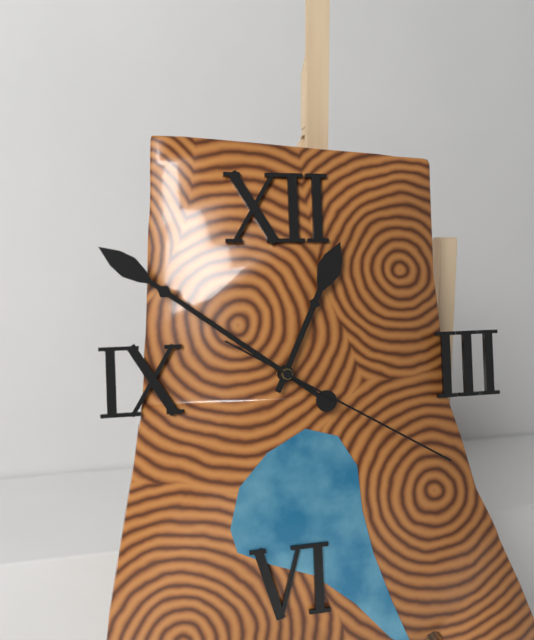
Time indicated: 12:51:20
